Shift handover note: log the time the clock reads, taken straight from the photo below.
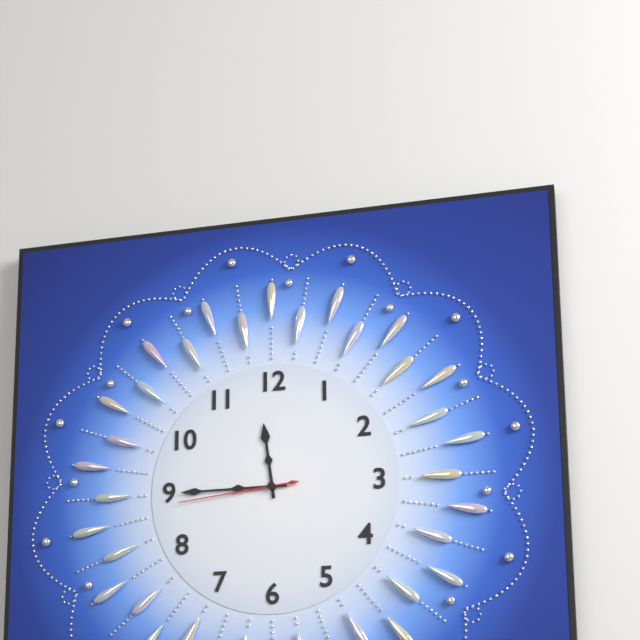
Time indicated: 11:45:44
